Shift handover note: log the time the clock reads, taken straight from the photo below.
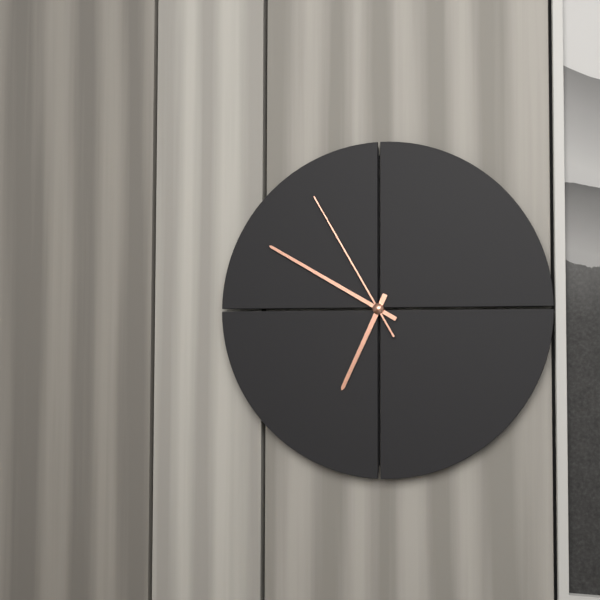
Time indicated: 6:50:55
